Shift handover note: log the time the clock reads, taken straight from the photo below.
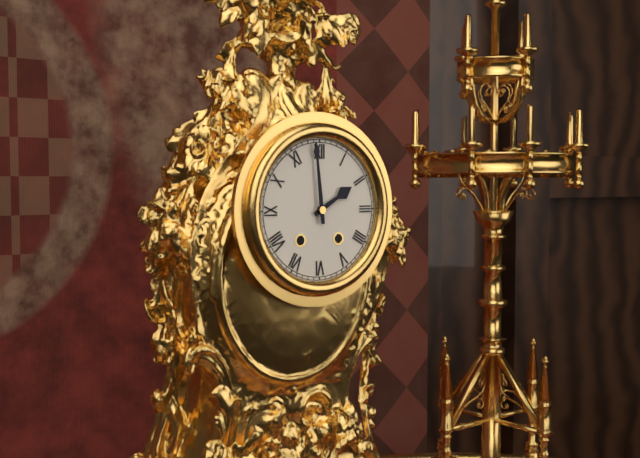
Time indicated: 1:59
